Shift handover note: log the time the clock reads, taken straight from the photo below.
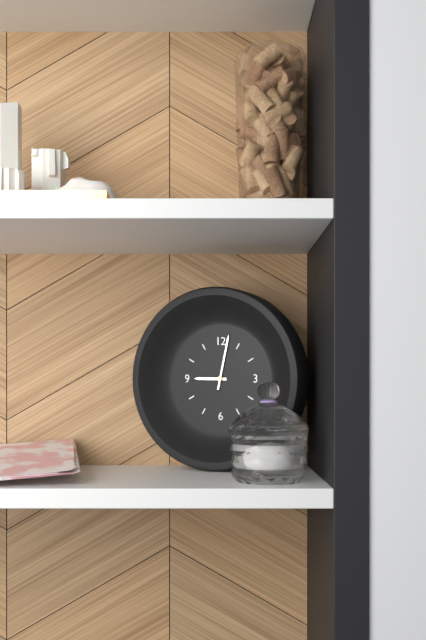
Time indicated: 9:02
